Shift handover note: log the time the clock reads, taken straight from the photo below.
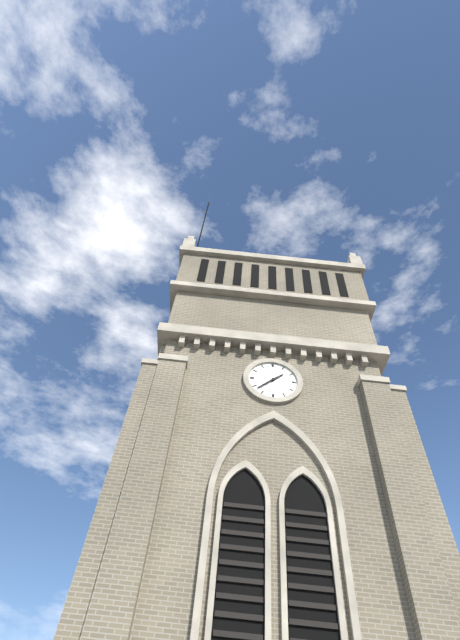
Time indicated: 1:38
